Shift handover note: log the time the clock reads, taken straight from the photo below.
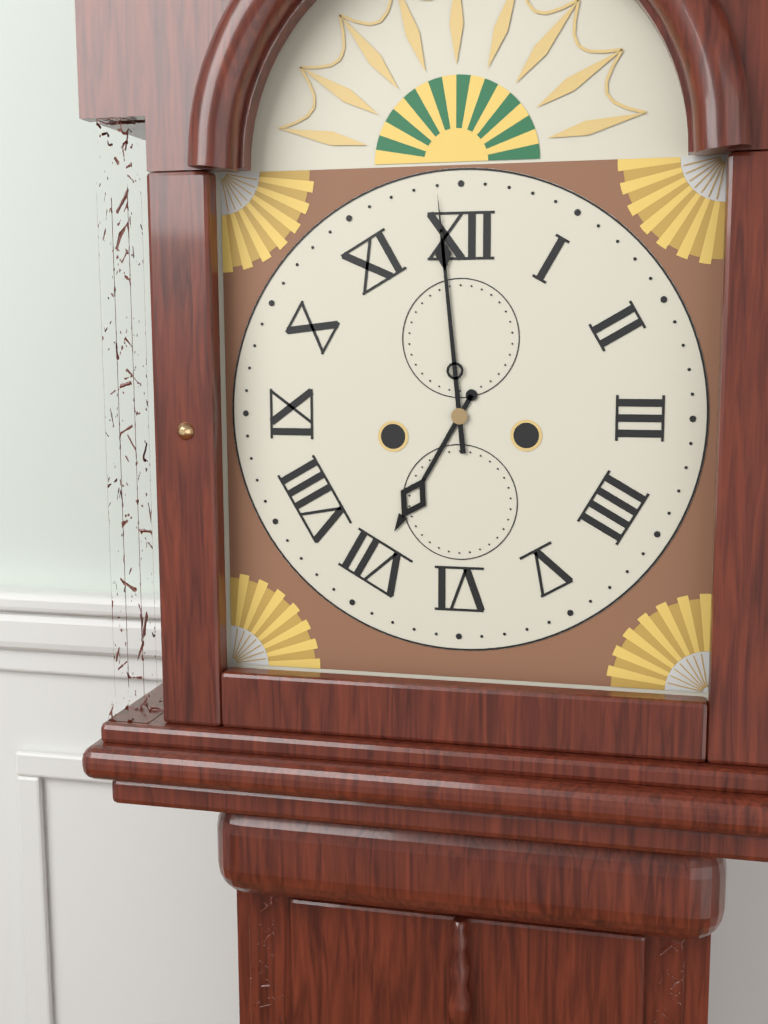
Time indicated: 6:59
